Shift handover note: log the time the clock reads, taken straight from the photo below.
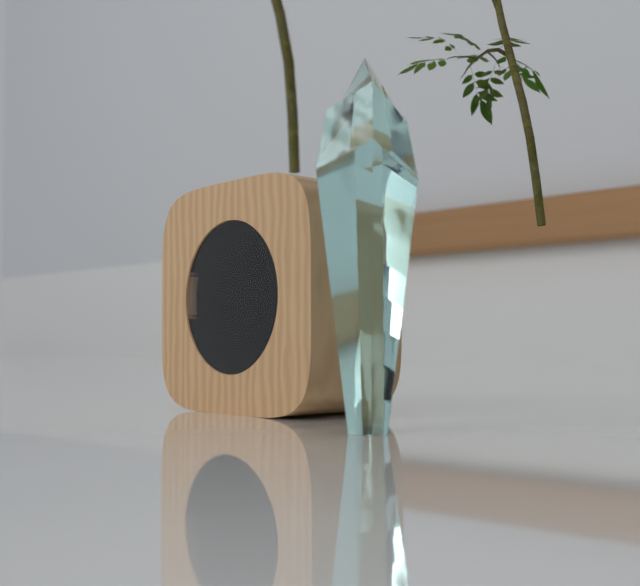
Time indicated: 2:08:55
